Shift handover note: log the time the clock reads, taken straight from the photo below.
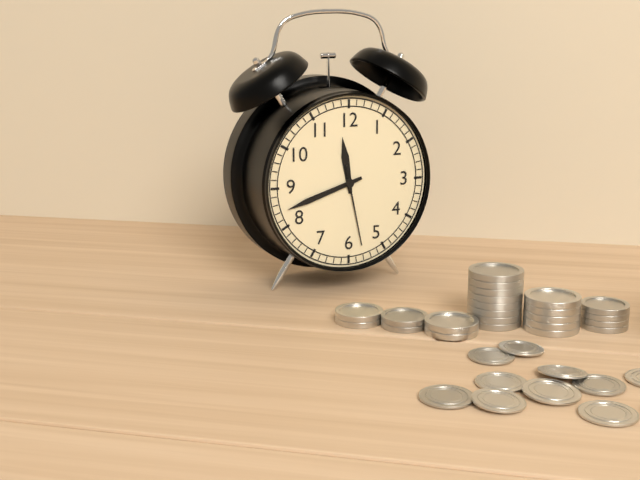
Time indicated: 11:42:28
